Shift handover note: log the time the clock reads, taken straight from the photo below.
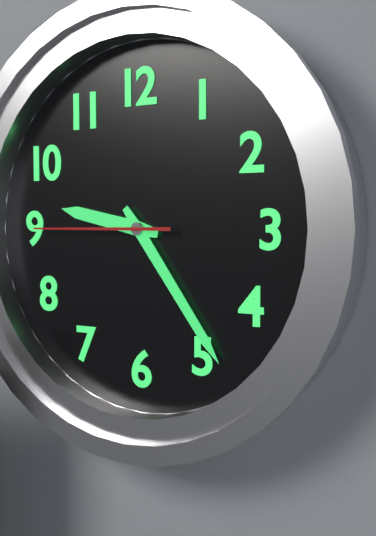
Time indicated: 9:24:45
